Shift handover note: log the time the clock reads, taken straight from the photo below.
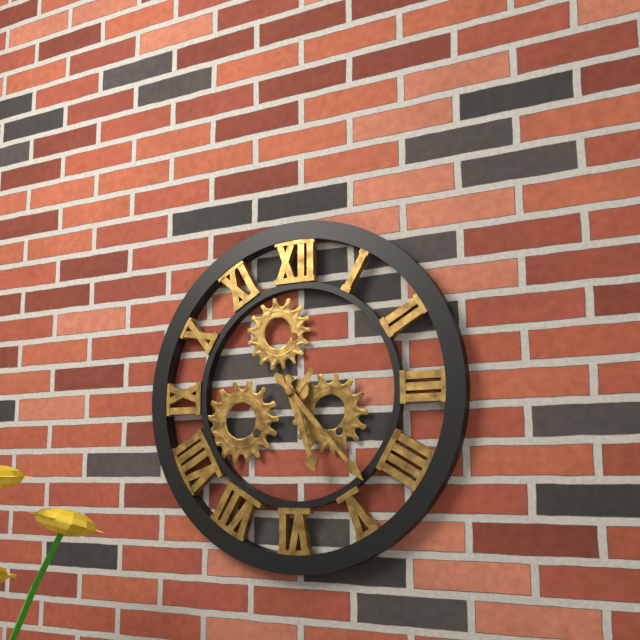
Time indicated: 5:23
